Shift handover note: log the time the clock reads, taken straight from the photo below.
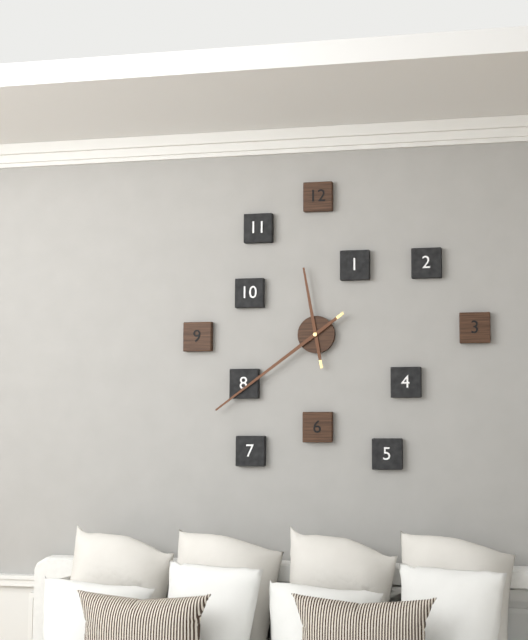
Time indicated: 11:39
